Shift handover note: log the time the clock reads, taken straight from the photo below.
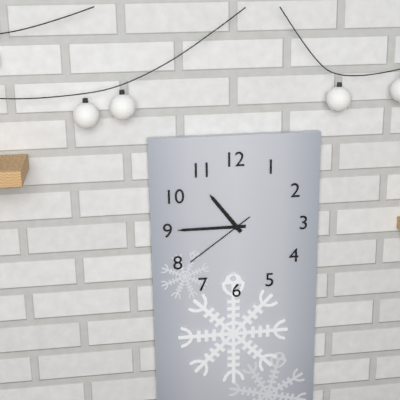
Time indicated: 10:45:39
